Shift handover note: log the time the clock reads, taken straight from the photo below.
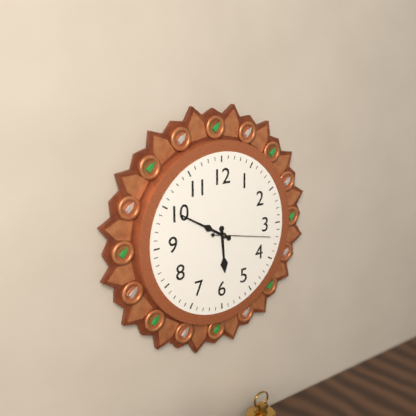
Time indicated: 5:50:17
